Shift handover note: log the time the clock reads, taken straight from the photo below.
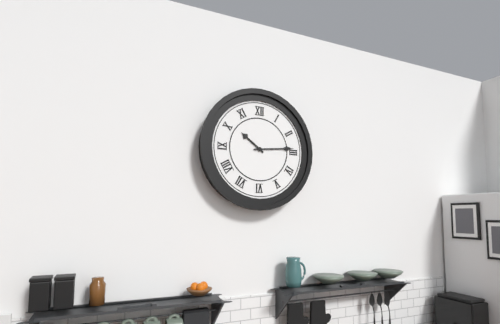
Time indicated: 10:14
